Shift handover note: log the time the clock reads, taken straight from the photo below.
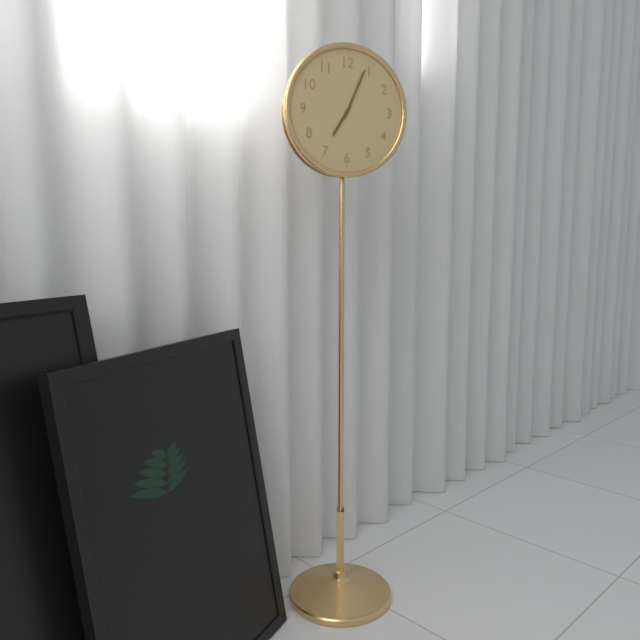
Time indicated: 7:04
